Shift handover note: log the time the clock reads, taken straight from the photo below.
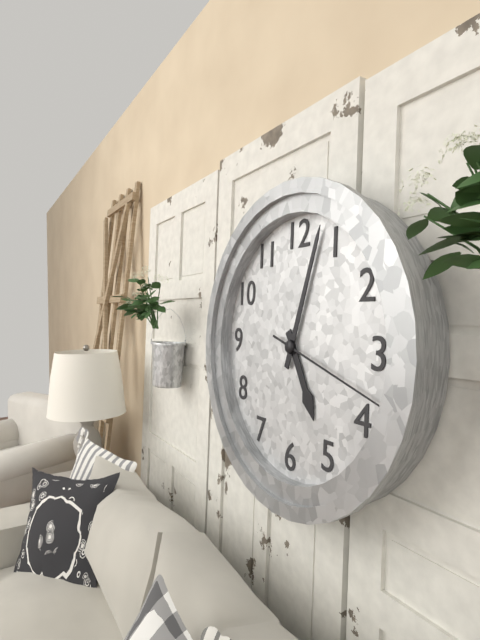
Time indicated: 5:03:18
